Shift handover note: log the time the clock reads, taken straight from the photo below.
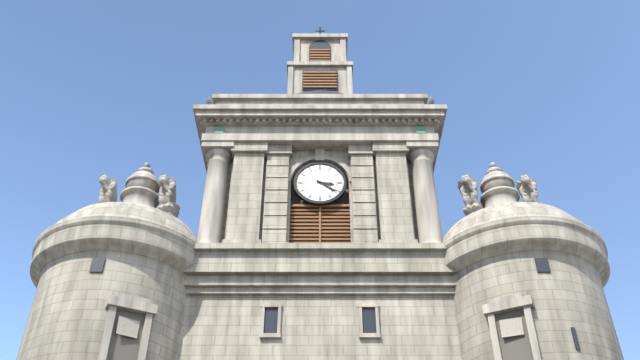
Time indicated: 3:21
